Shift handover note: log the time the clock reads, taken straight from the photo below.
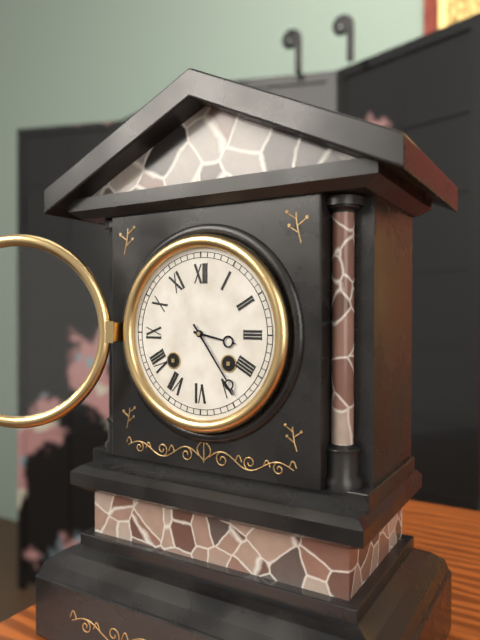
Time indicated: 3:24
